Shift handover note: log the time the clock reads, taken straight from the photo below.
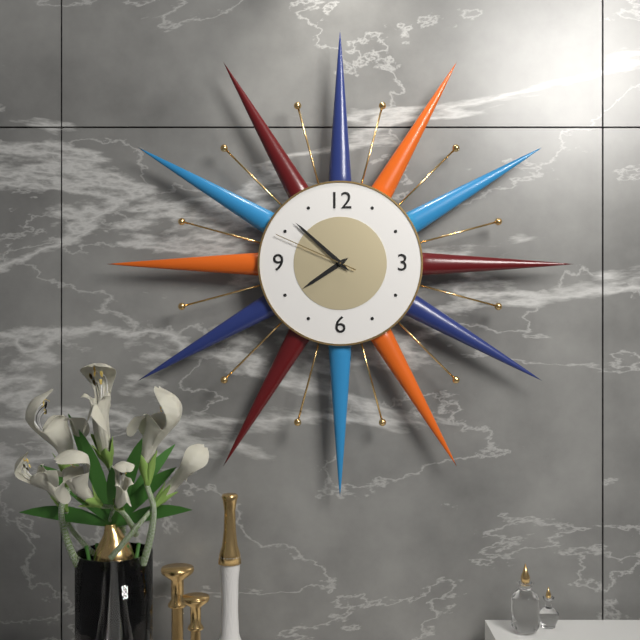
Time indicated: 7:52:49
